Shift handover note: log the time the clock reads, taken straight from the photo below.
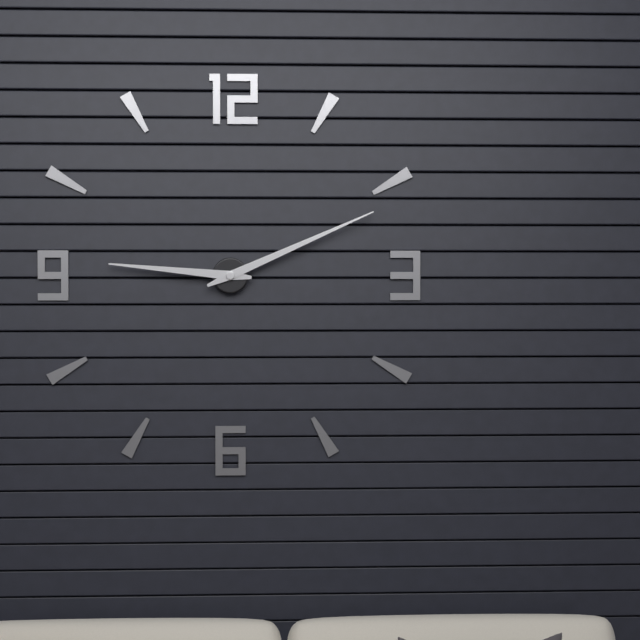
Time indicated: 9:11
